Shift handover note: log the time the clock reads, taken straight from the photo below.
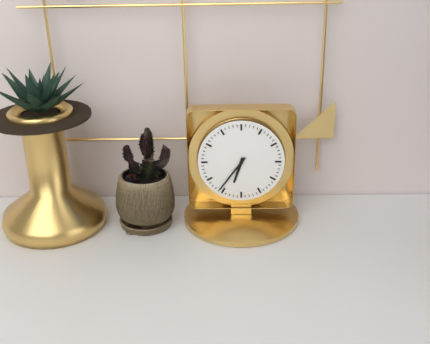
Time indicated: 6:36
